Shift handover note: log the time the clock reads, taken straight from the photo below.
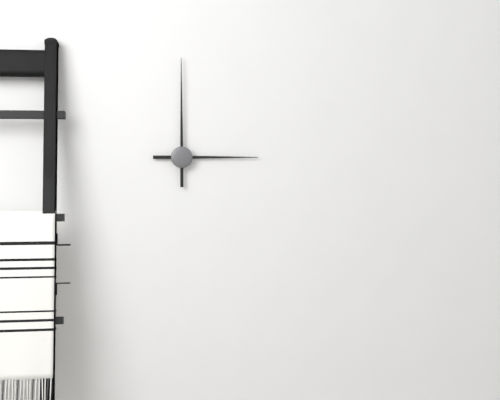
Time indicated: 3:00
